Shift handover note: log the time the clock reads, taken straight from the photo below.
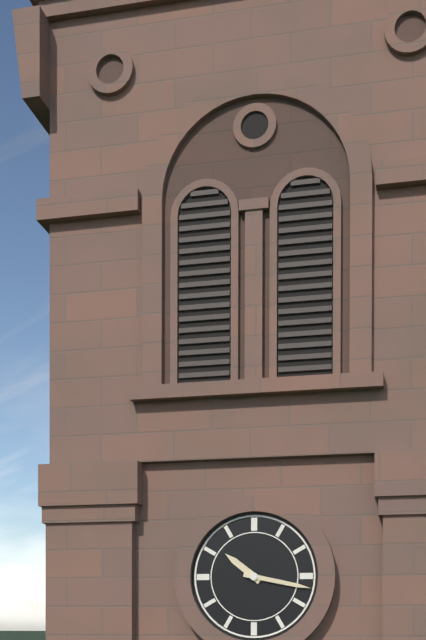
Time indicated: 10:17
